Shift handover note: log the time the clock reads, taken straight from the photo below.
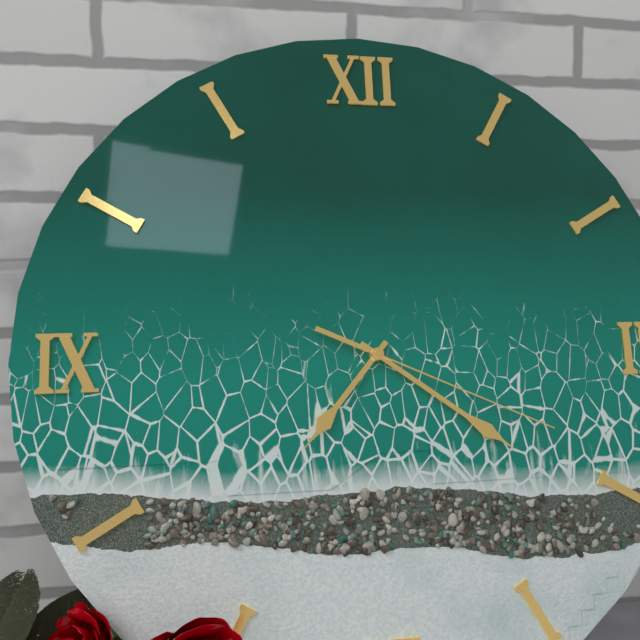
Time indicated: 7:21:19
